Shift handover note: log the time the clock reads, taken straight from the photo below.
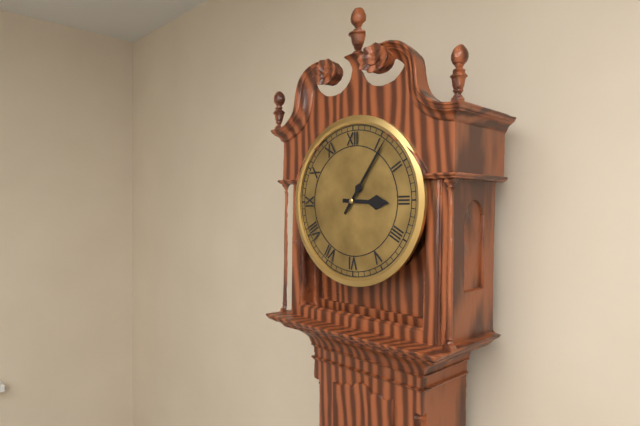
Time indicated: 3:06
